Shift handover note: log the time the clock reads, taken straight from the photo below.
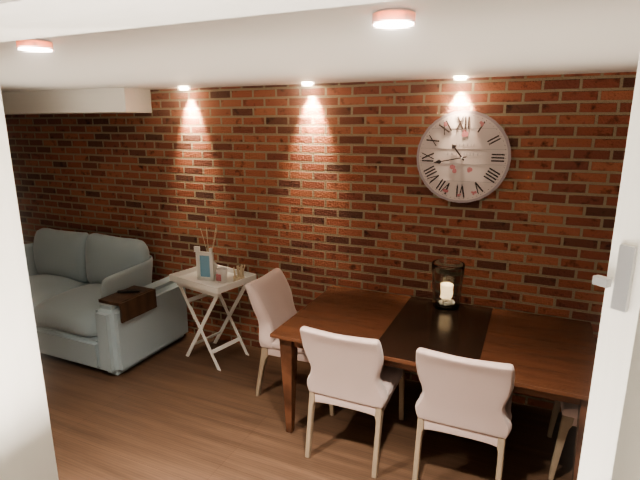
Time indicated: 10:43
